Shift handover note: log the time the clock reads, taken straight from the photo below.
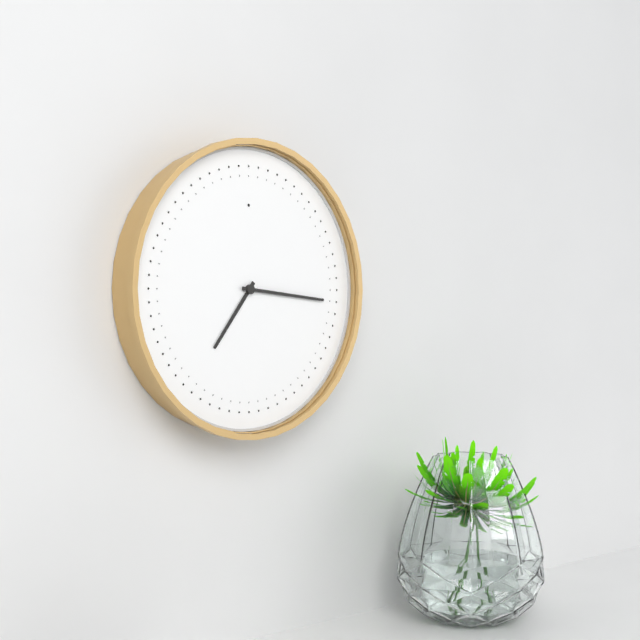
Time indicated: 7:16
